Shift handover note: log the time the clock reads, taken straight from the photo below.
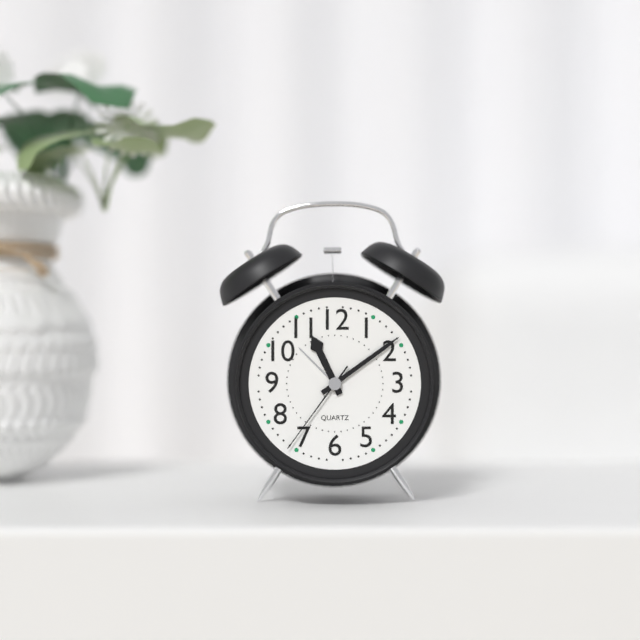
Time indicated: 11:09:36
